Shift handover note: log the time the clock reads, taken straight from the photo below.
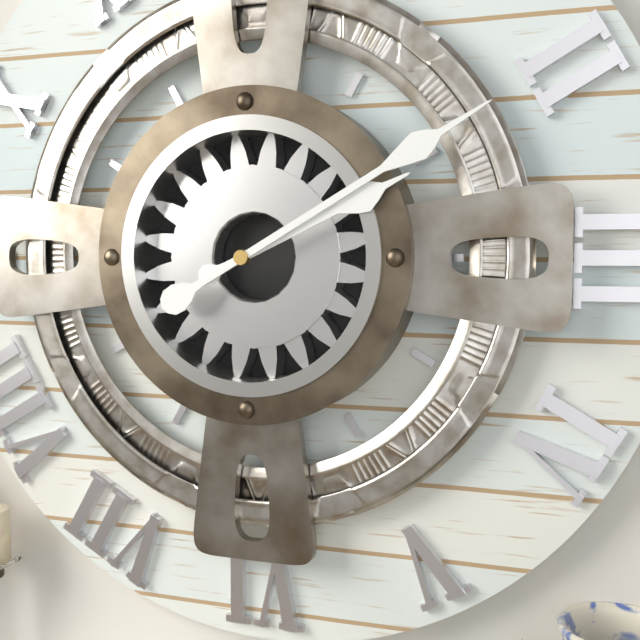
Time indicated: 2:10
